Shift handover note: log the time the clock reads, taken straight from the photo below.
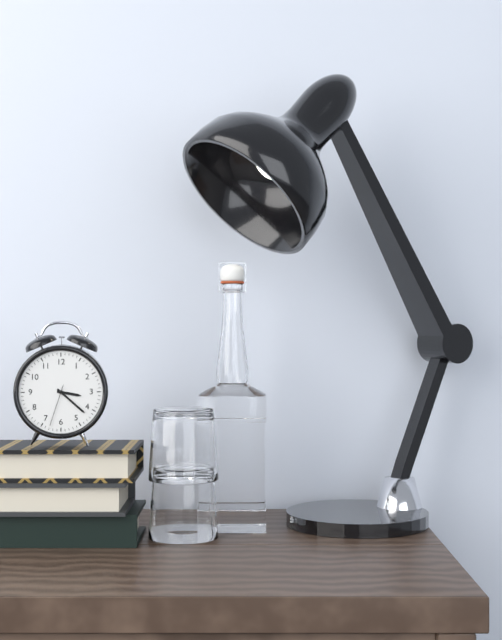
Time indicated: 3:22
